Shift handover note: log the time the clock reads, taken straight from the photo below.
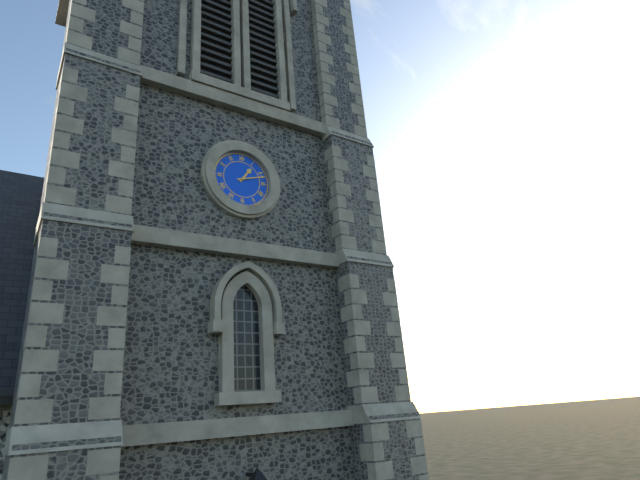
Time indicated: 1:12
